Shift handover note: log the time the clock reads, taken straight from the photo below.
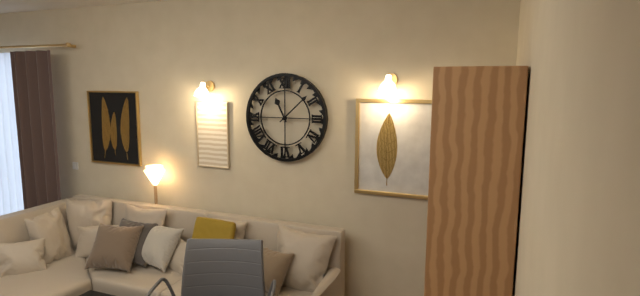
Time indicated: 11:08
